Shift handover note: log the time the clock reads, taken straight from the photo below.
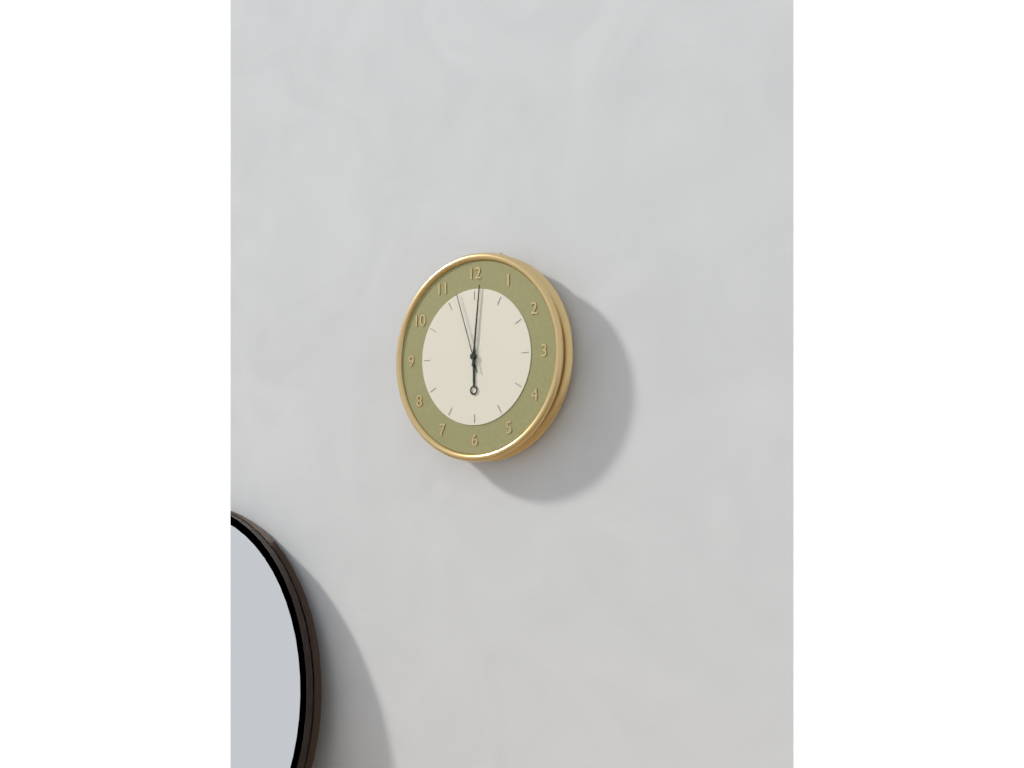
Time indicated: 6:01:57
